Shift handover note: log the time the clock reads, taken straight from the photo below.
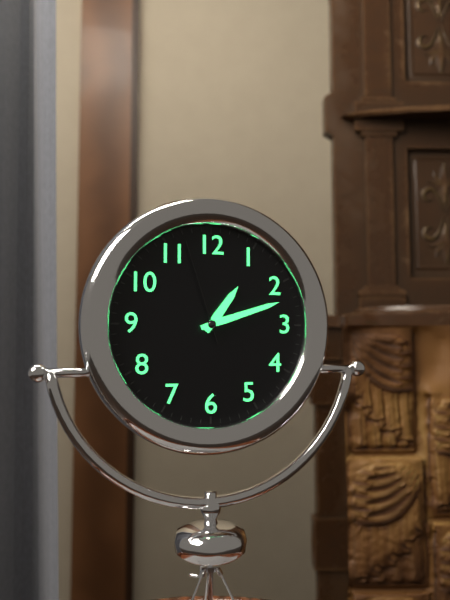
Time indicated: 1:12:57
